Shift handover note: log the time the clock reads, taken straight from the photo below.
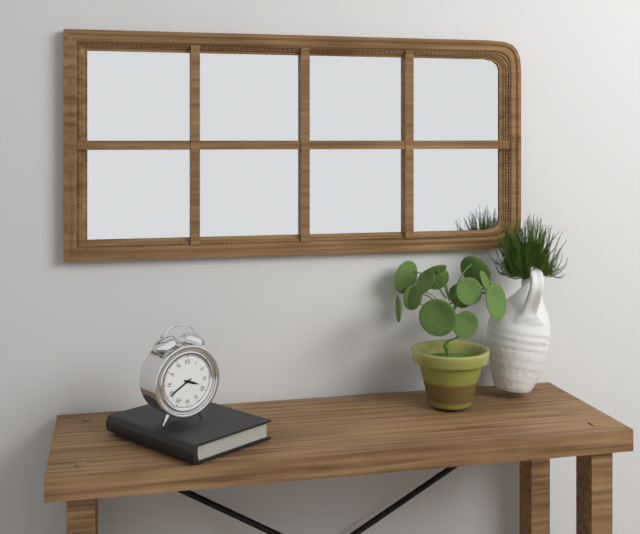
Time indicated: 3:40
